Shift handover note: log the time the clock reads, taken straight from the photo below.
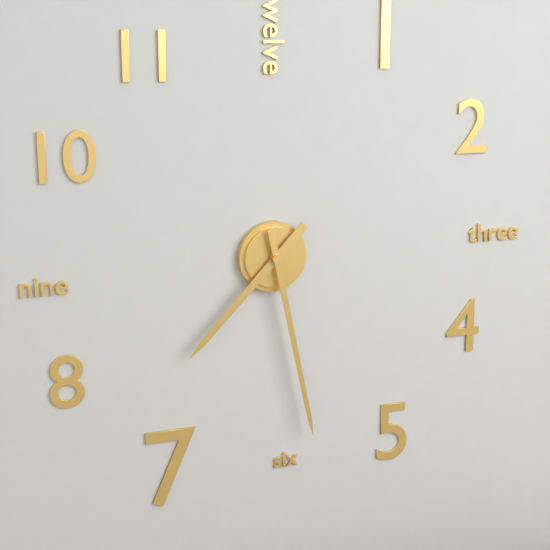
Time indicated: 7:28
